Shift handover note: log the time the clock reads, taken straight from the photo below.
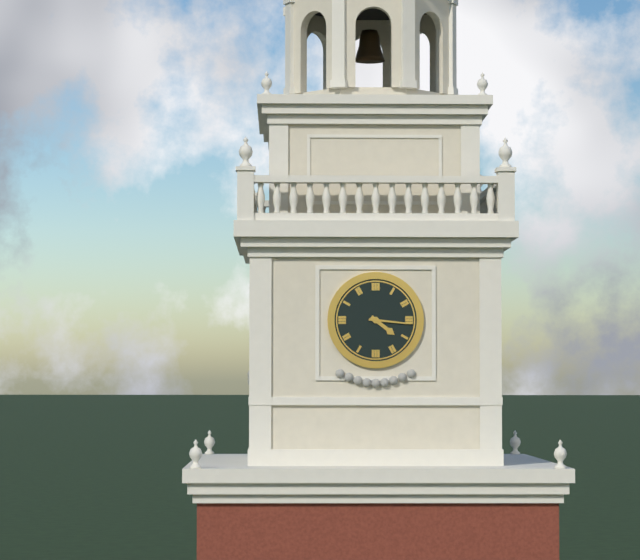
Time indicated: 4:16
